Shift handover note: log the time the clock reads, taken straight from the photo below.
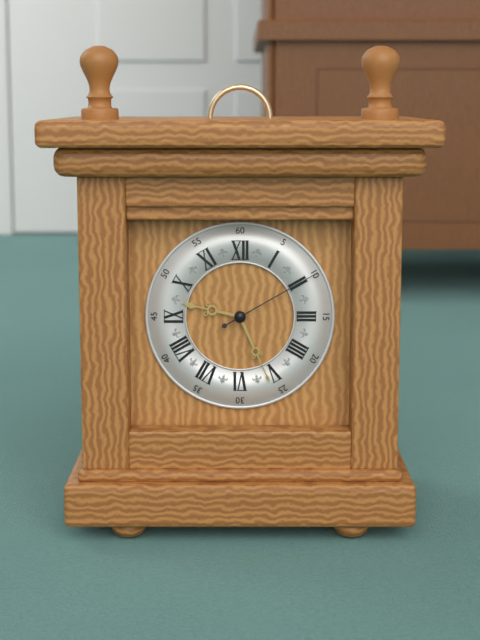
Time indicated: 9:26:10
